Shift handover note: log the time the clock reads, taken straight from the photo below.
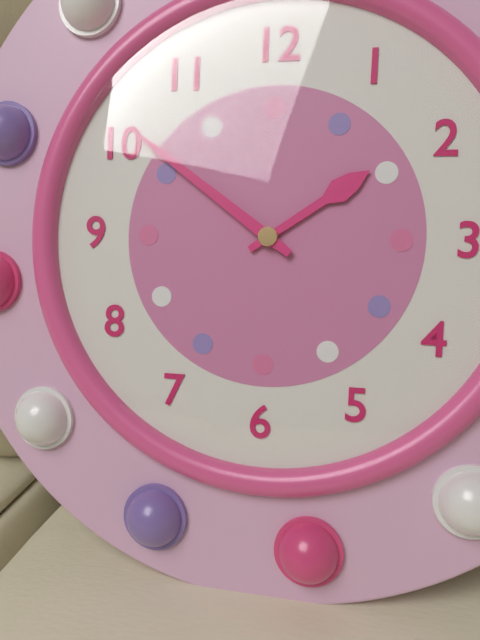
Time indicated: 1:51
